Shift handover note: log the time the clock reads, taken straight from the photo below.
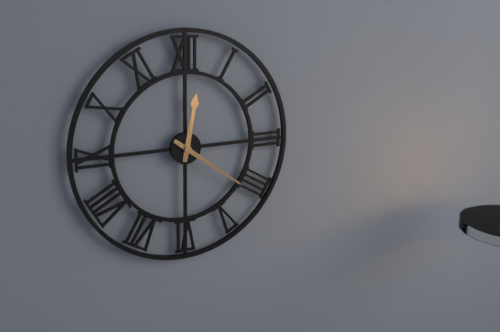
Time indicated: 12:21
